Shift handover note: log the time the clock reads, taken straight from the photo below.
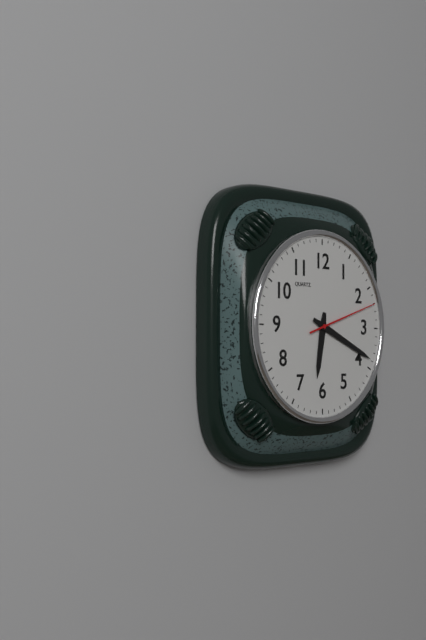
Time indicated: 6:19:12
